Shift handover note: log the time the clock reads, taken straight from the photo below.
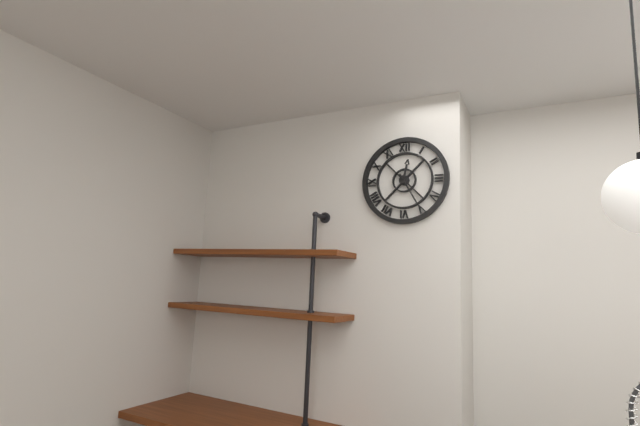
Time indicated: 12:25
